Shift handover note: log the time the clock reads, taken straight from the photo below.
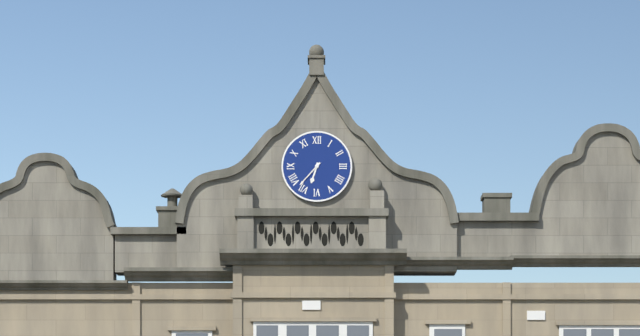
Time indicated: 6:37
